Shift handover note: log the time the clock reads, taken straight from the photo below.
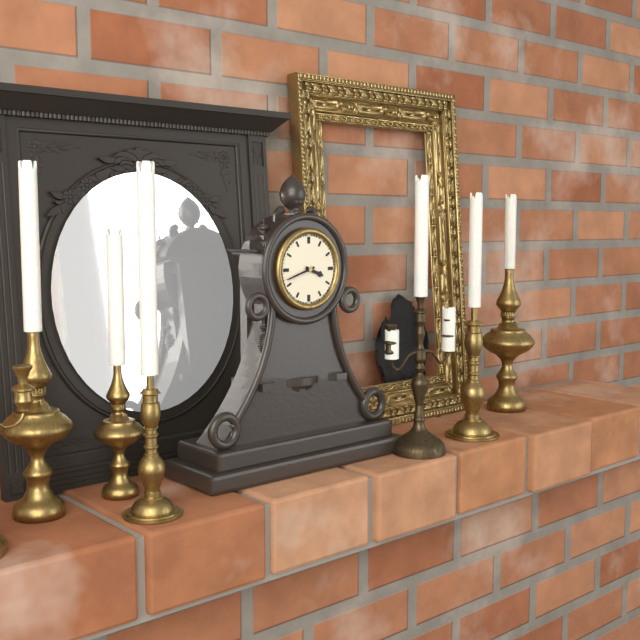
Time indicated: 3:42
